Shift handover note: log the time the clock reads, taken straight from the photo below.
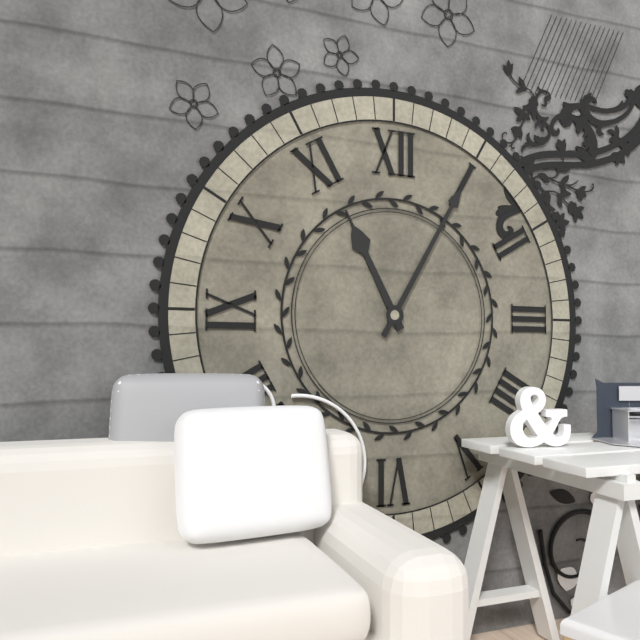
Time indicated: 11:05
